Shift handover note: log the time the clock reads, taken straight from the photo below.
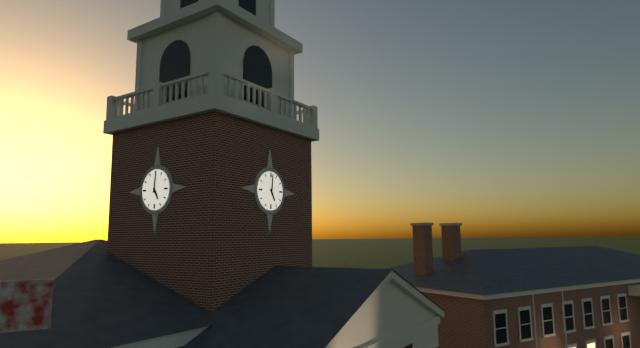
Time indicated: 5:01
